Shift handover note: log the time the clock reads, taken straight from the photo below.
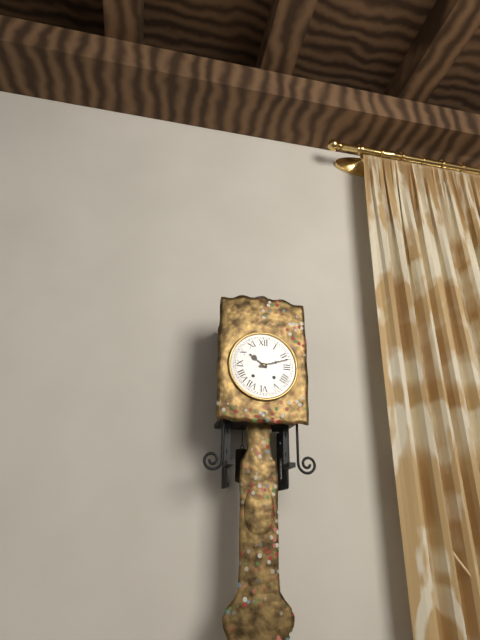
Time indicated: 10:12
